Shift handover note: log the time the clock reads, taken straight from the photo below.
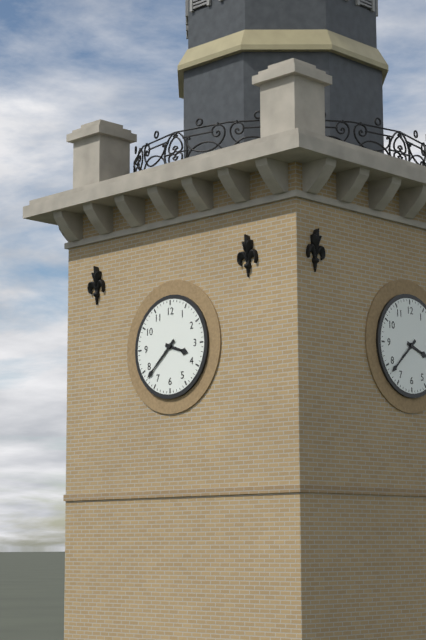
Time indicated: 3:38
